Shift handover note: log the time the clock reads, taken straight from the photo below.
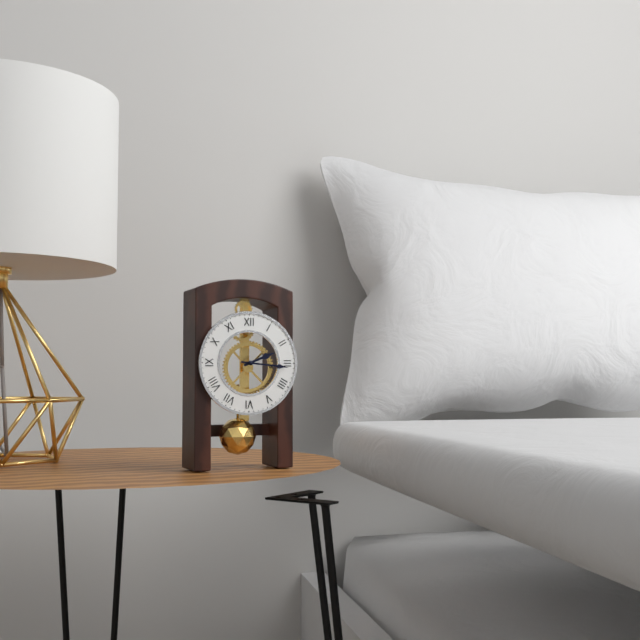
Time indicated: 2:16
